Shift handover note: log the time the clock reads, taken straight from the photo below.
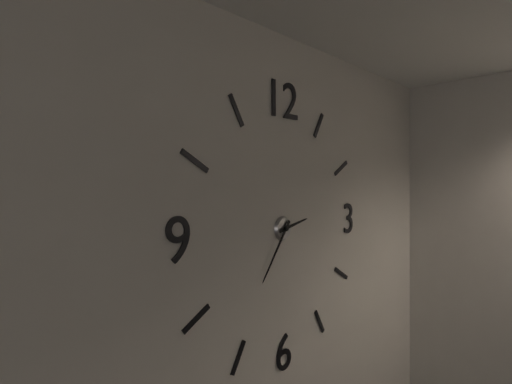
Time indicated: 2:36
